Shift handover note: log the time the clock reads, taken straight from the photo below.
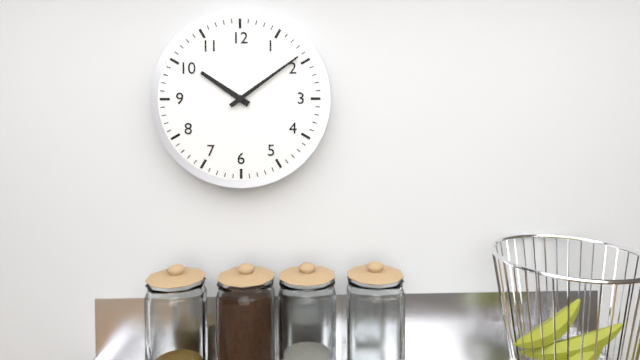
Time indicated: 10:09
